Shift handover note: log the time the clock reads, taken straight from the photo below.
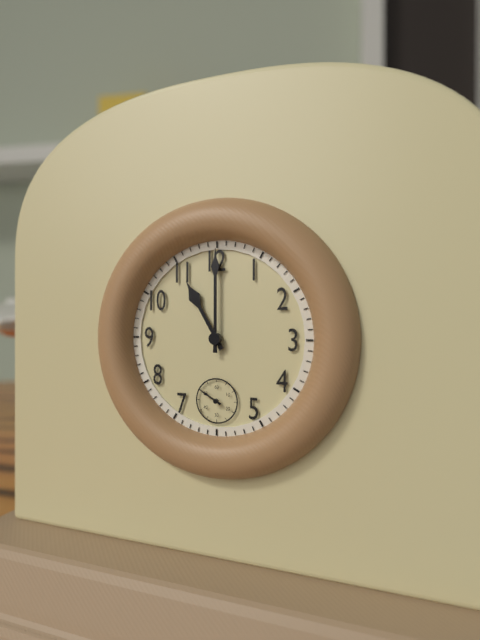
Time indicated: 11:00
